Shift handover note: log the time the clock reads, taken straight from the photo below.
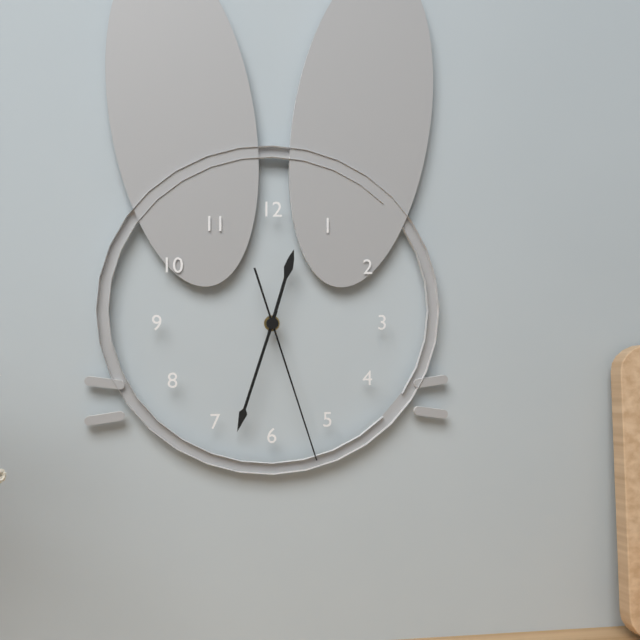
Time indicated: 12:33:27
